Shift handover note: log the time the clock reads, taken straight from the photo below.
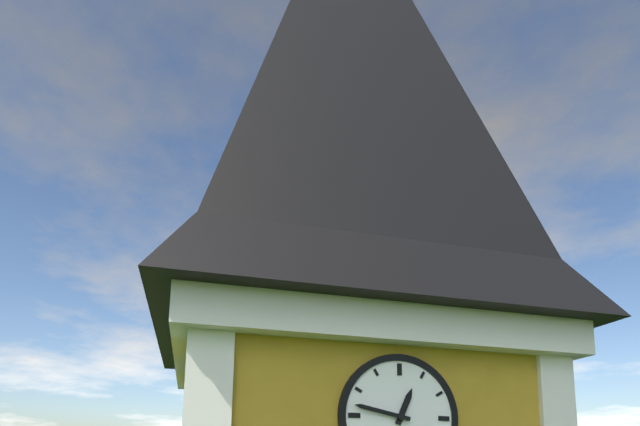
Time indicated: 12:47
